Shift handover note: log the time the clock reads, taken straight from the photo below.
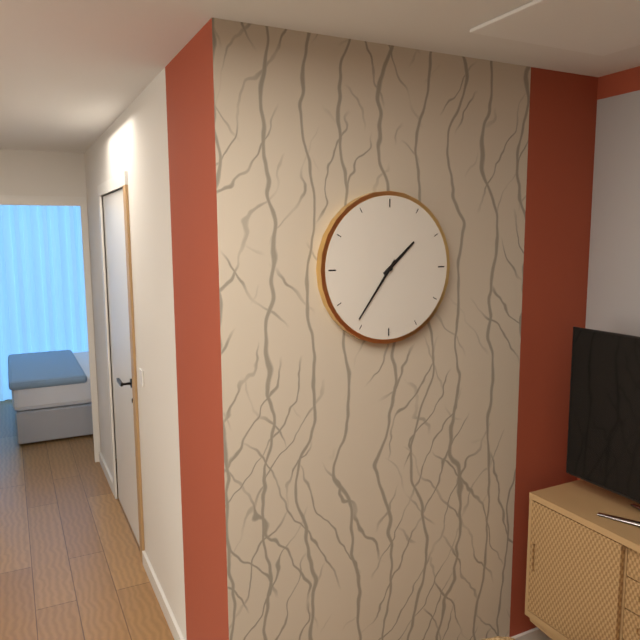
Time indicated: 1:36
